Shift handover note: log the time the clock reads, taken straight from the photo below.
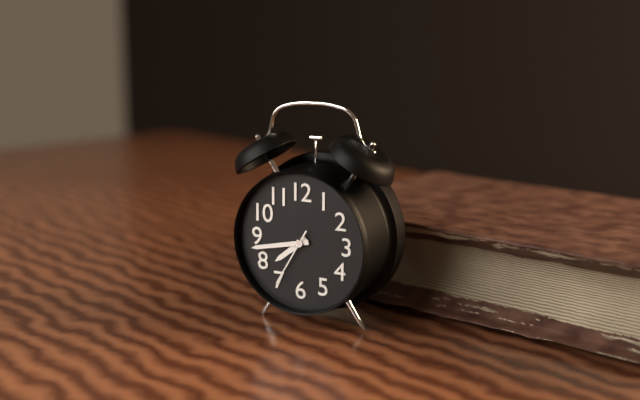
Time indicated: 7:43:35
